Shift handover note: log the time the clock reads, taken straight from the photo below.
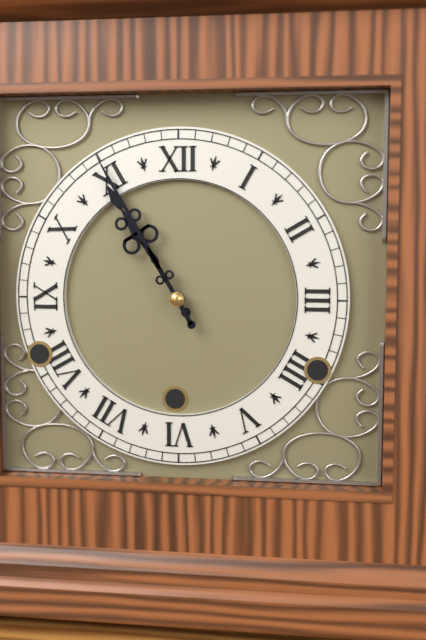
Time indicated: 10:55
